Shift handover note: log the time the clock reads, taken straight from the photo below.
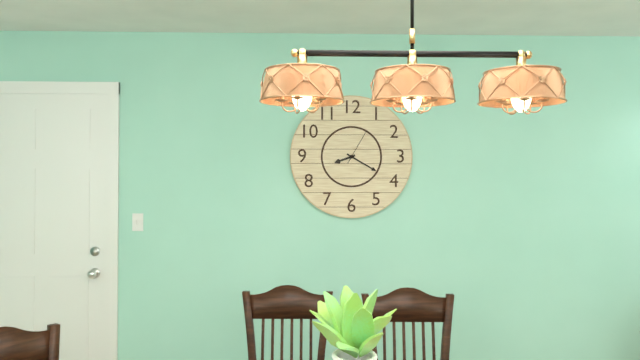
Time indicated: 8:20
